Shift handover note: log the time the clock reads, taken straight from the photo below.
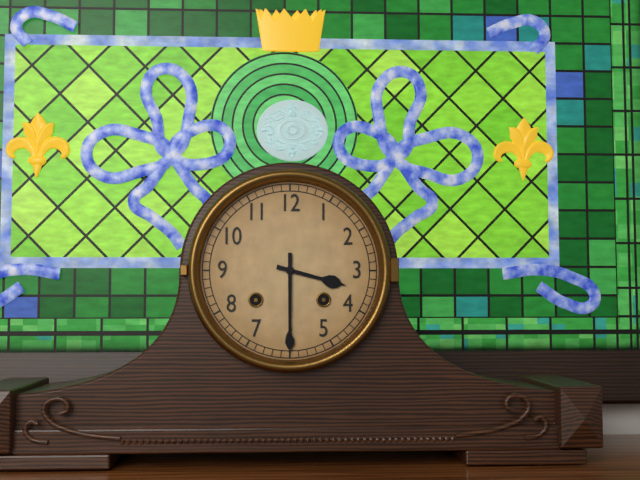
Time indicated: 3:30
